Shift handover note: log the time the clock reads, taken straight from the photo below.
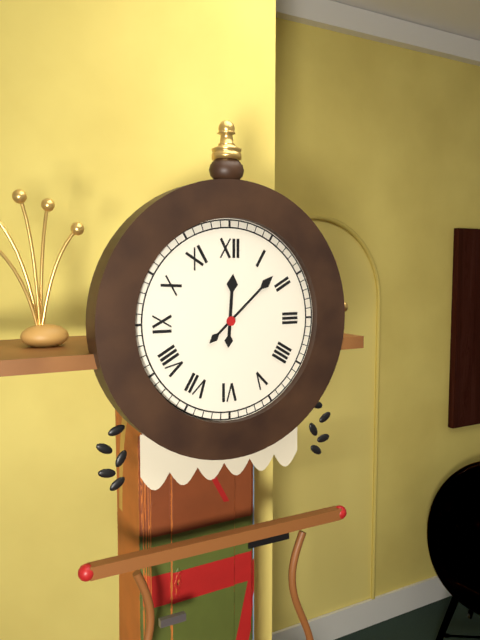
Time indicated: 12:08
